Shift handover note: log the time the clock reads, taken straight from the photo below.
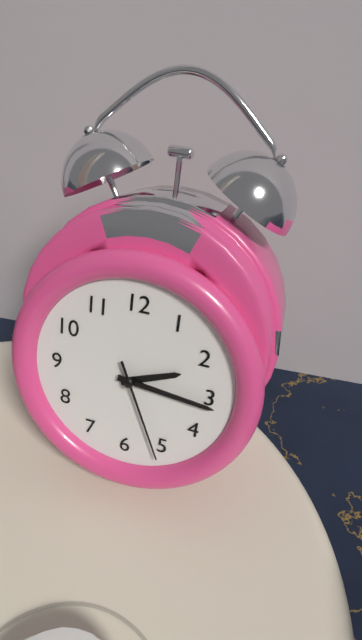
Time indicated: 2:16:26
